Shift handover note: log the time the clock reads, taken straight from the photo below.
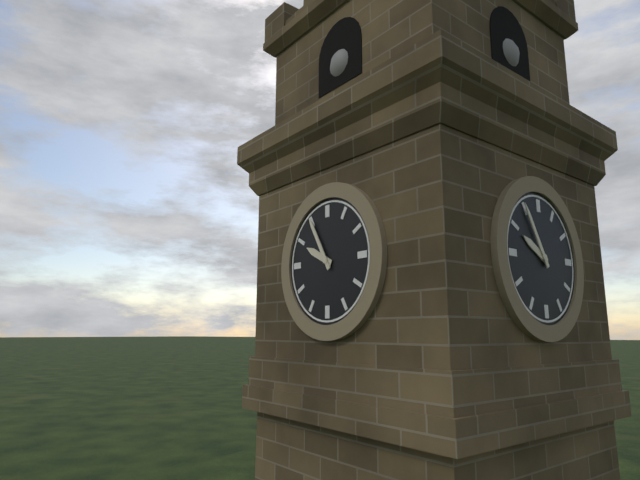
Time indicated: 9:55
